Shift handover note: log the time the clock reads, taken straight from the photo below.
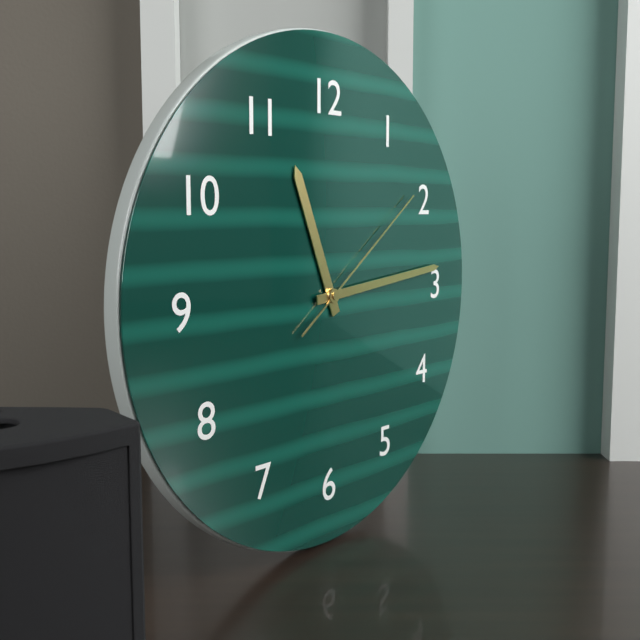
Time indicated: 11:14:09
